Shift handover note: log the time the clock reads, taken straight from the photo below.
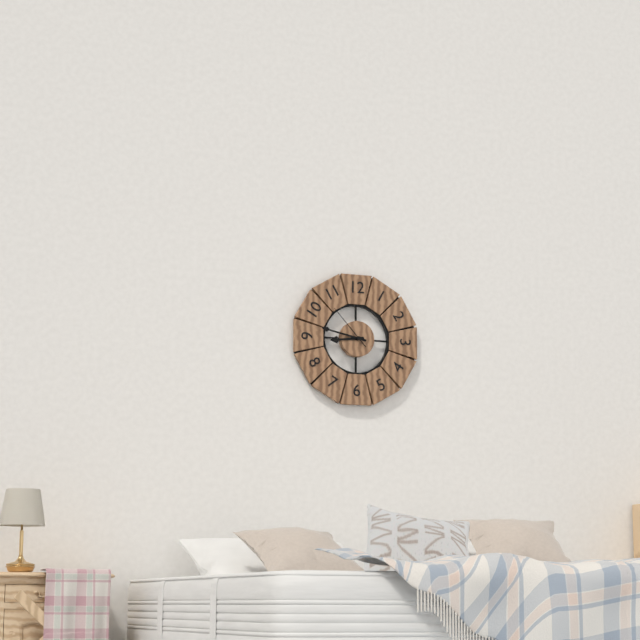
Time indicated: 8:47
